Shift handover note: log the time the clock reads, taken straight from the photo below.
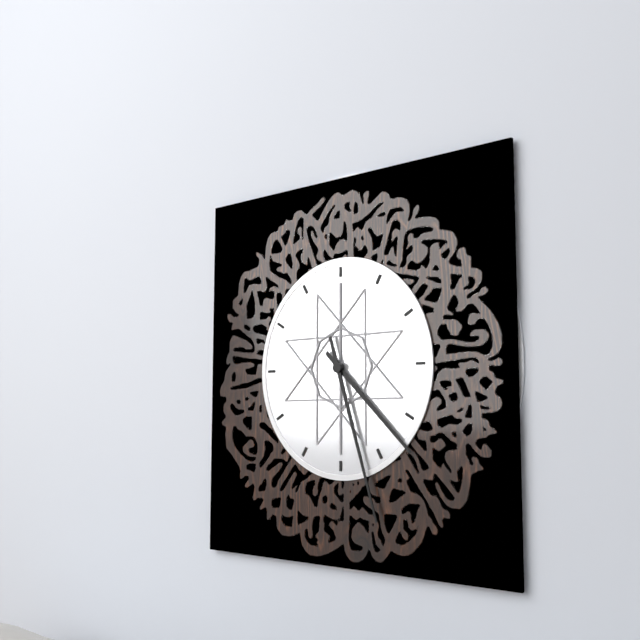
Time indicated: 4:27
